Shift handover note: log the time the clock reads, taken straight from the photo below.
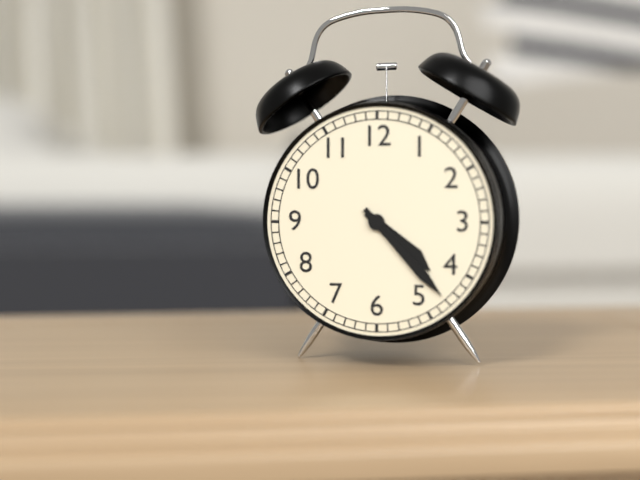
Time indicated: 4:23
